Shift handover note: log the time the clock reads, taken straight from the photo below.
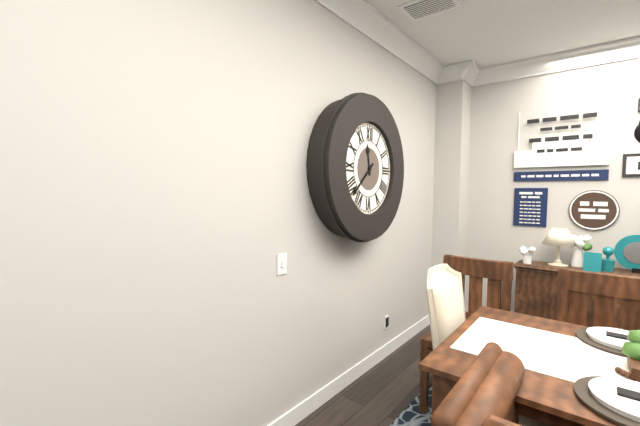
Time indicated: 11:38
